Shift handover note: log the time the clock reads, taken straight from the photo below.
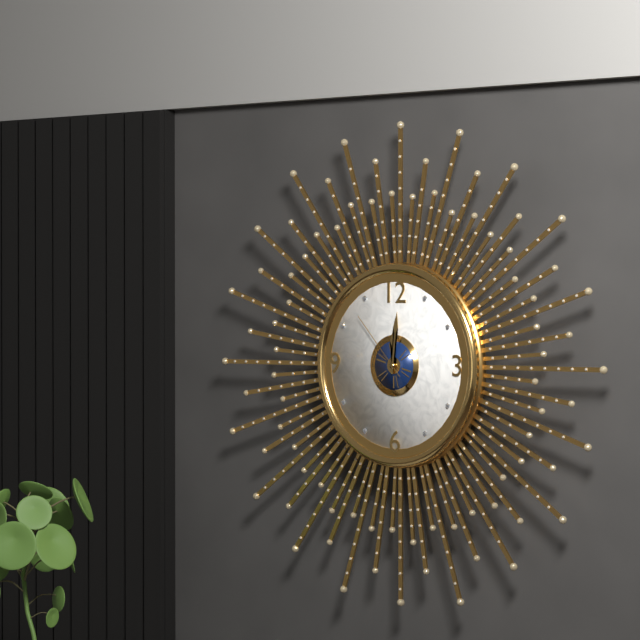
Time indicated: 12:01:53
